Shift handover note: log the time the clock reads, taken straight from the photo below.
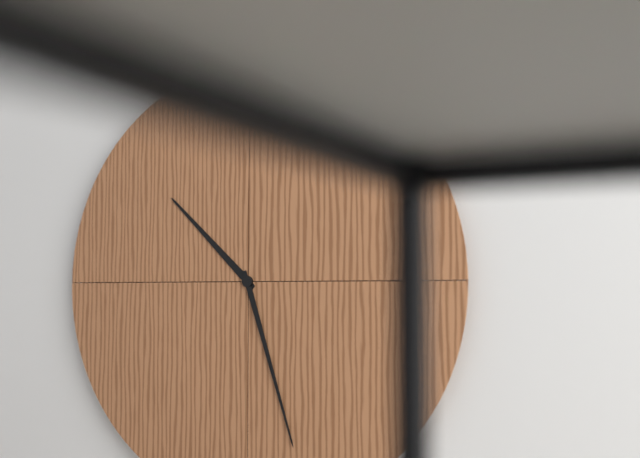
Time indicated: 10:27
